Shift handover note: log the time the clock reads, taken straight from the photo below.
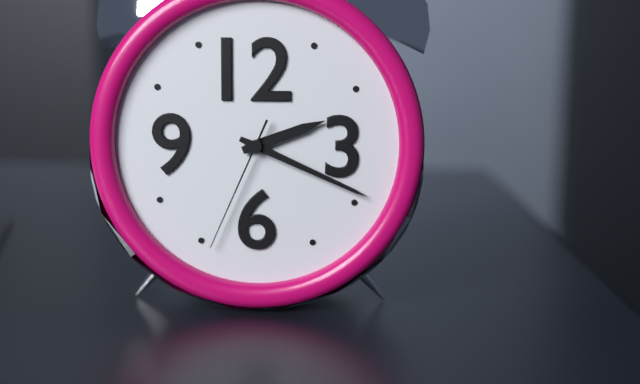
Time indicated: 2:19:34
